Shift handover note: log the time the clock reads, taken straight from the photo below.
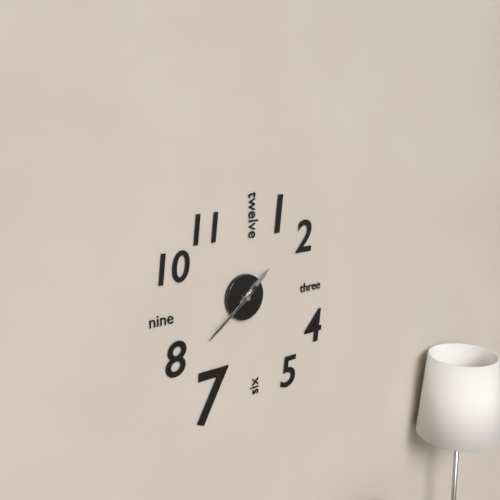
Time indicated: 1:39:39
